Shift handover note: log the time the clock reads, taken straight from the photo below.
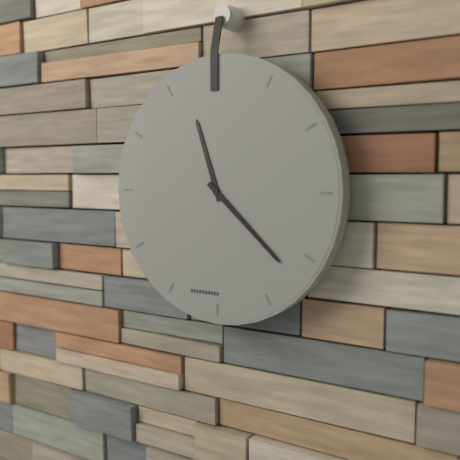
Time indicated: 11:22
